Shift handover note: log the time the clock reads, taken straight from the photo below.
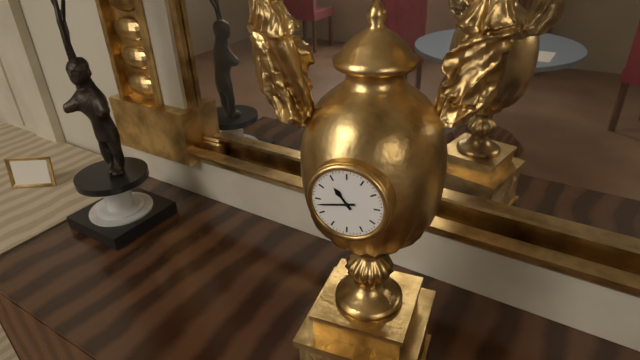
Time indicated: 10:43
